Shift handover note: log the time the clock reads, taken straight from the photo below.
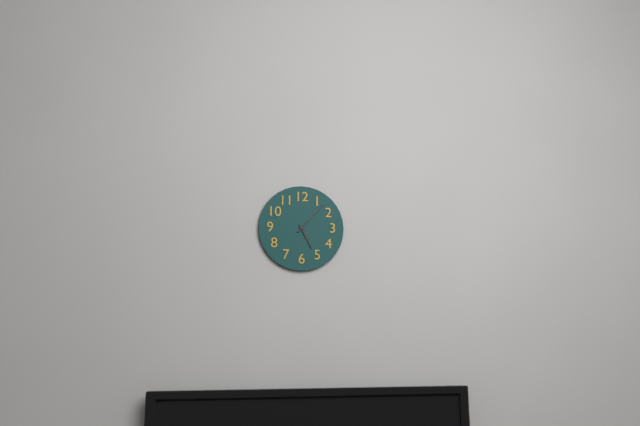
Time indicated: 5:07
